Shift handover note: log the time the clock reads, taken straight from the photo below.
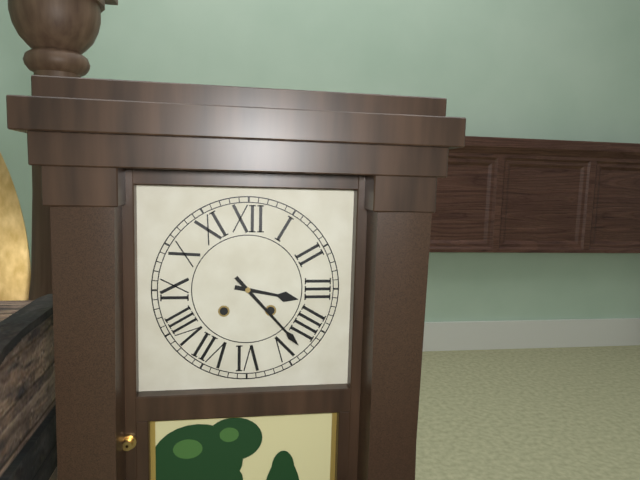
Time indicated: 3:23
